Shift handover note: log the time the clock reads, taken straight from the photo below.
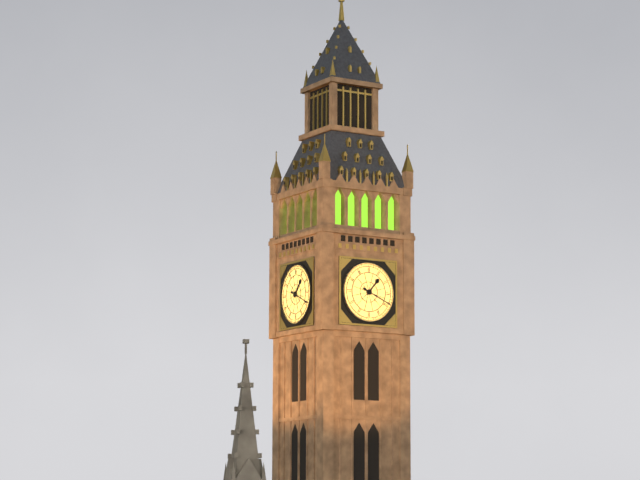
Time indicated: 1:19
